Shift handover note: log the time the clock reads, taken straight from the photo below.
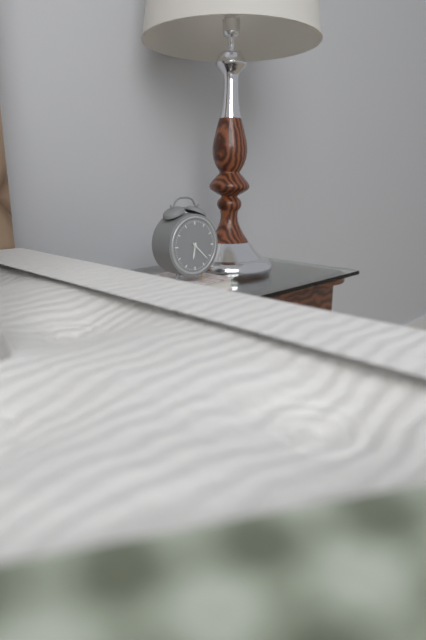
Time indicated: 6:22
